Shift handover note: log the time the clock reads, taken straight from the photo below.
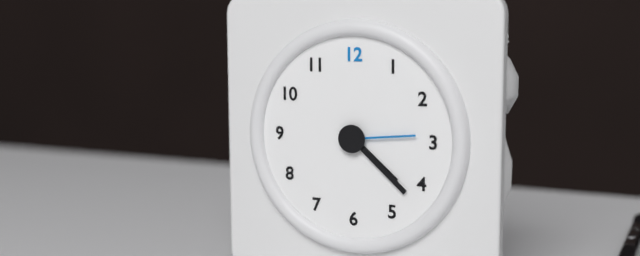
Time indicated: 4:22:14
